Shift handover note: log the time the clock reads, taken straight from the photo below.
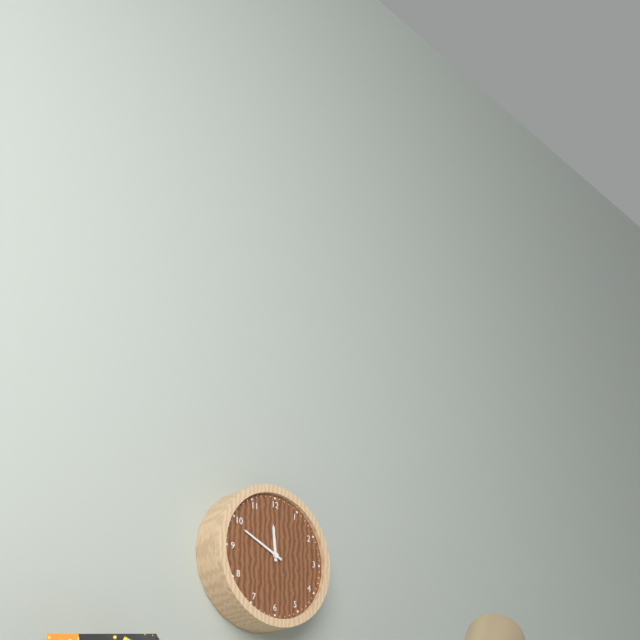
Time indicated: 11:49
